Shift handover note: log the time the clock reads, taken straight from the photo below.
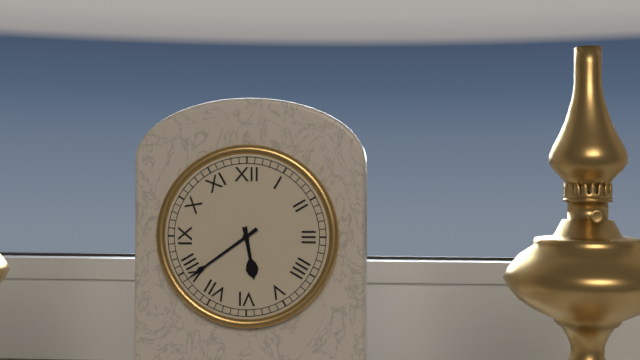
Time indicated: 5:39
